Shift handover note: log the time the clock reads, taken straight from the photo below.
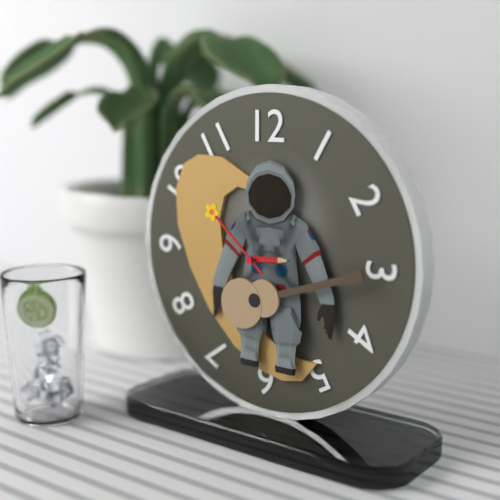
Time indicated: 2:52
